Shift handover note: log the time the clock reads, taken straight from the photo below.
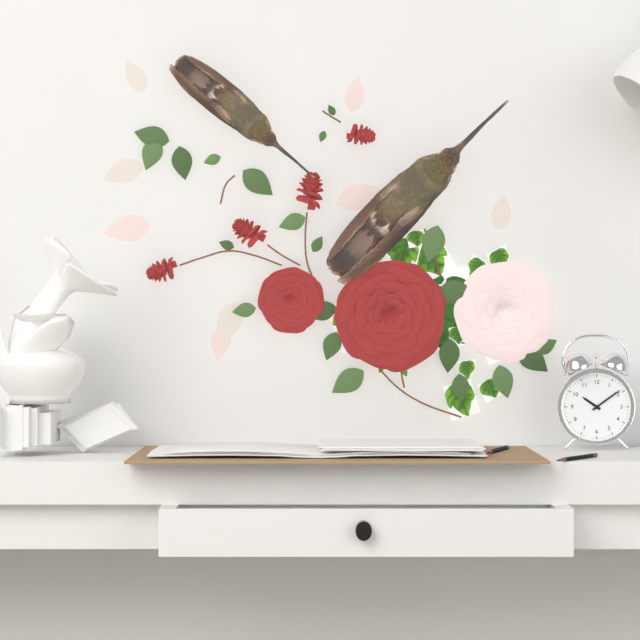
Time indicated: 10:09
